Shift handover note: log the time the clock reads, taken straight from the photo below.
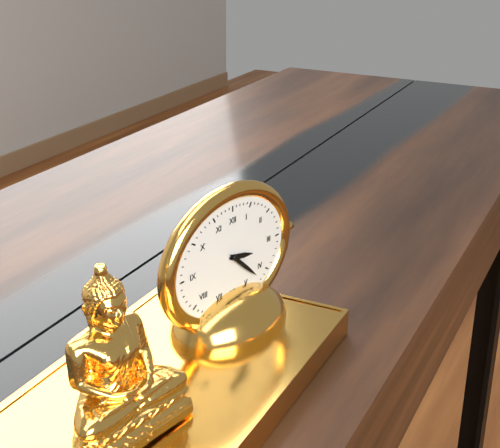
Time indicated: 3:22
